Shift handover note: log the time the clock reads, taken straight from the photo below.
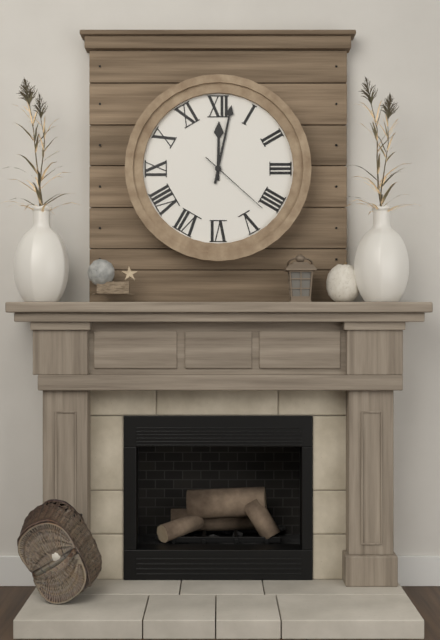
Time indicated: 12:02:22
